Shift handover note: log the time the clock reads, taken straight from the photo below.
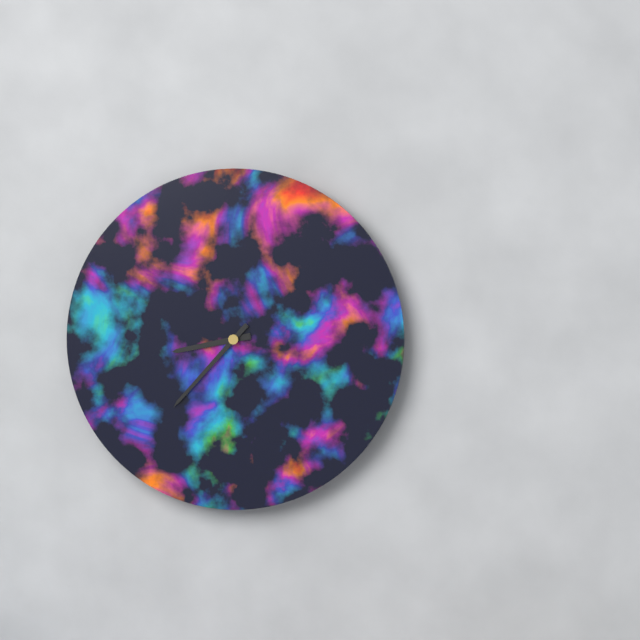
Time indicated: 8:37
